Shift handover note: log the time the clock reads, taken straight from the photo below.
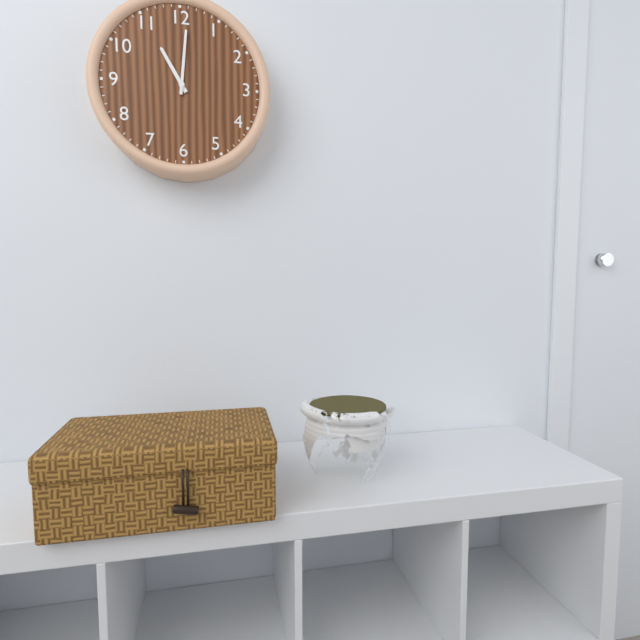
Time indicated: 11:01
